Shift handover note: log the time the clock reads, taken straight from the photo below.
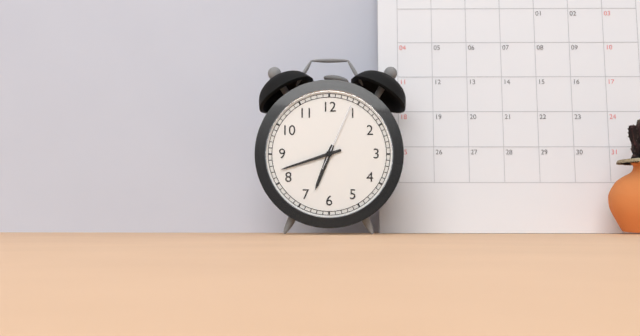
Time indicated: 6:42:04
